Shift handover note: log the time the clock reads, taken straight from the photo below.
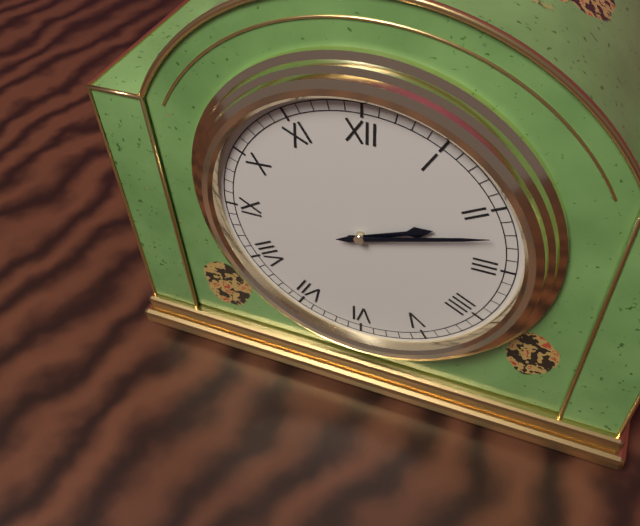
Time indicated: 2:12
